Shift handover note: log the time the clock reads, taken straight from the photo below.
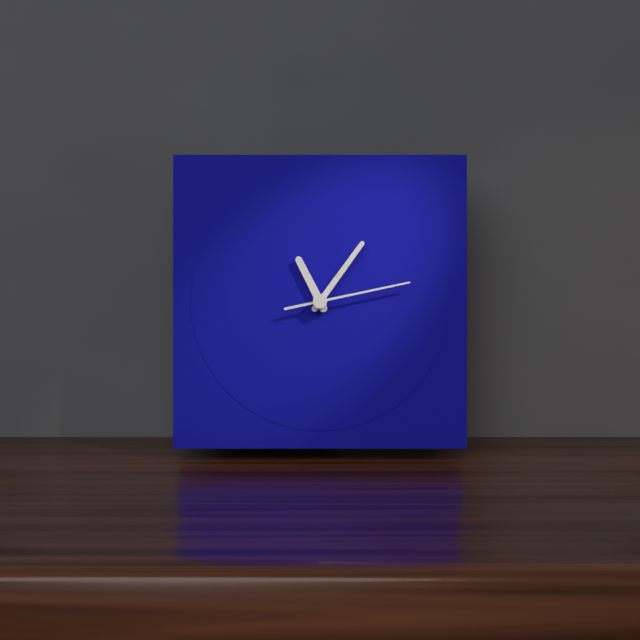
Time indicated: 11:06:13
